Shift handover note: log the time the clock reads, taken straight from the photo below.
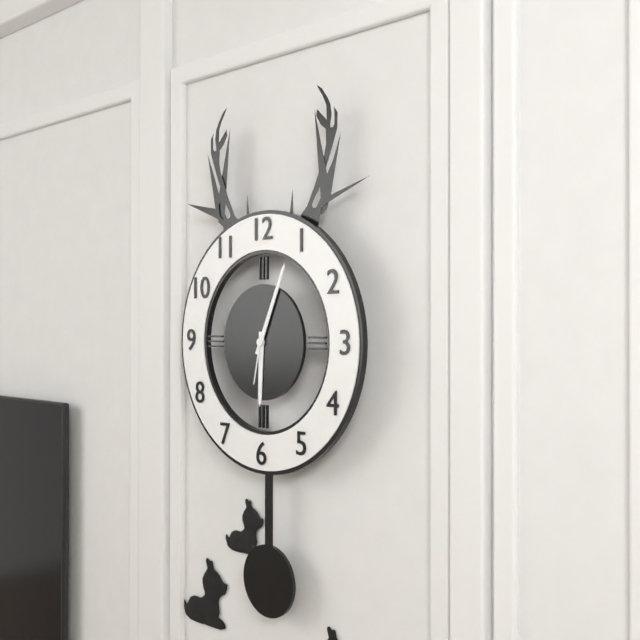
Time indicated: 6:04:32
